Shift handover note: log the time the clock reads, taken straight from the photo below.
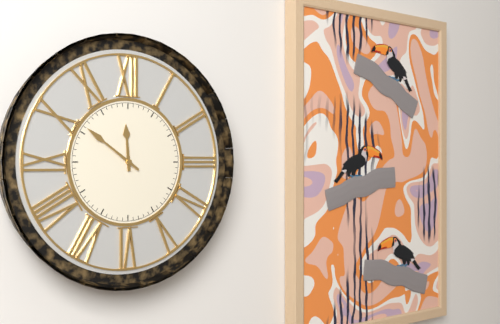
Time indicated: 11:51
